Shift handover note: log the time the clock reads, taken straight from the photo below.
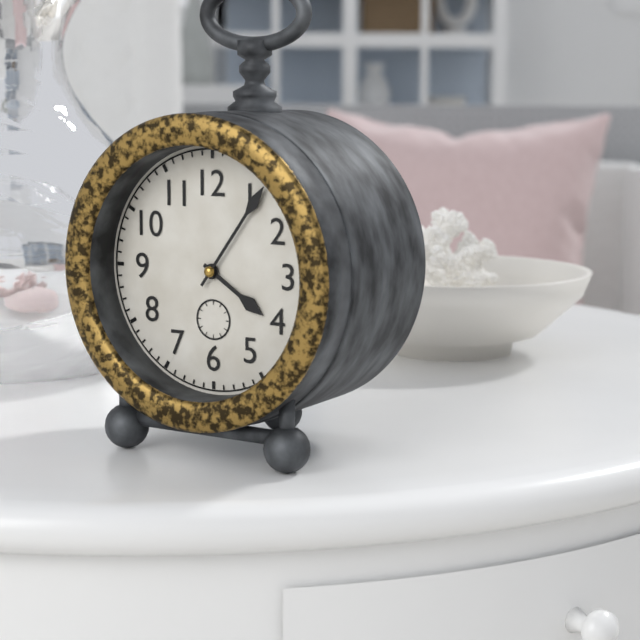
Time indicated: 4:06
